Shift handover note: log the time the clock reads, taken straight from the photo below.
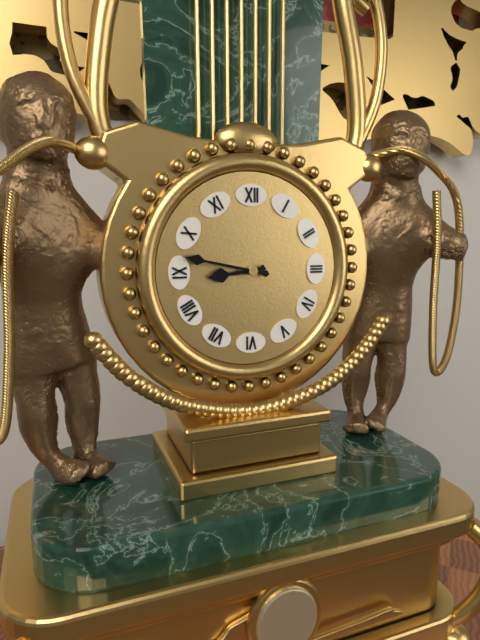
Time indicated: 8:47
